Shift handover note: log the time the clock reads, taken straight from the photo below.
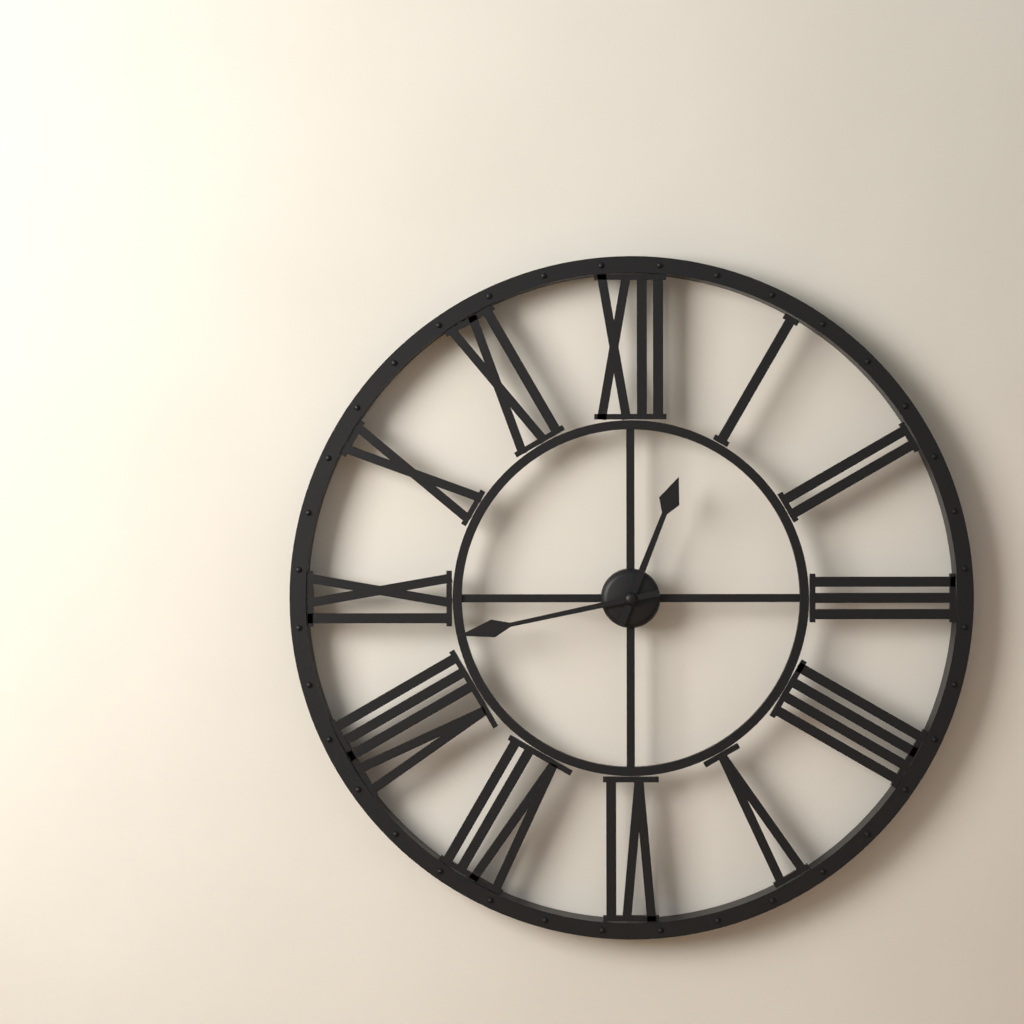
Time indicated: 12:43
